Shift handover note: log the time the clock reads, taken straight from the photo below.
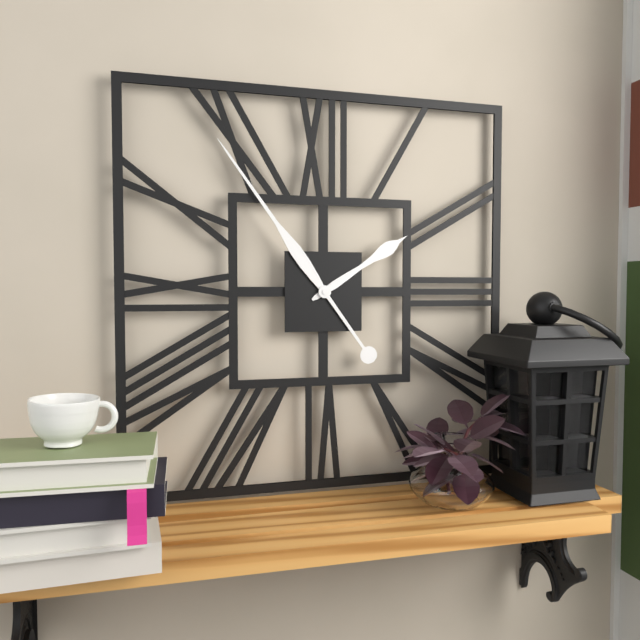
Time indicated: 1:54
